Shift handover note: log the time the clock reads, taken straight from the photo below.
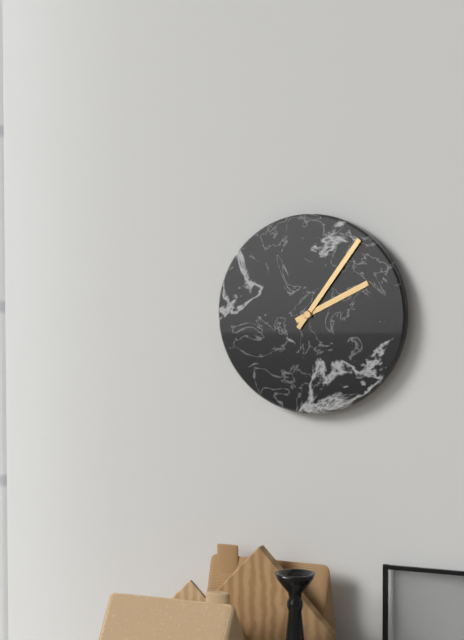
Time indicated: 2:06
